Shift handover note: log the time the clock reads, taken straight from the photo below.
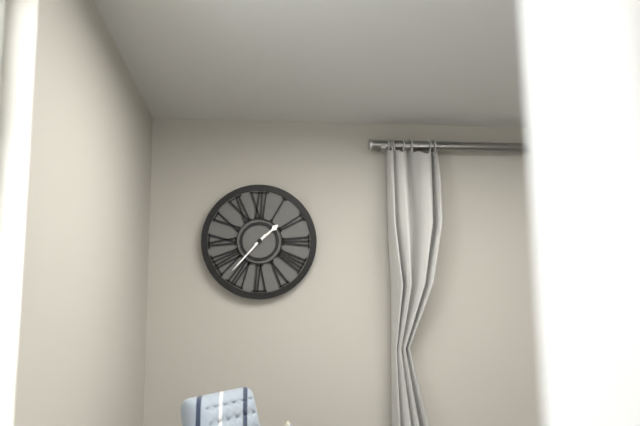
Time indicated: 1:37
